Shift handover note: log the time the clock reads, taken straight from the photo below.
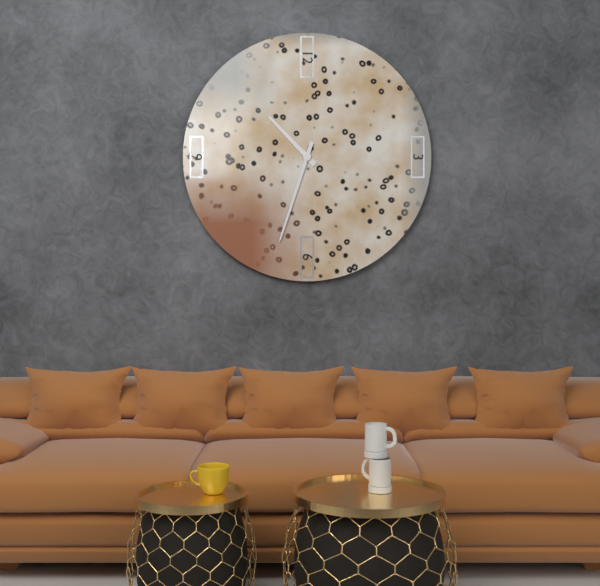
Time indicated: 10:33
